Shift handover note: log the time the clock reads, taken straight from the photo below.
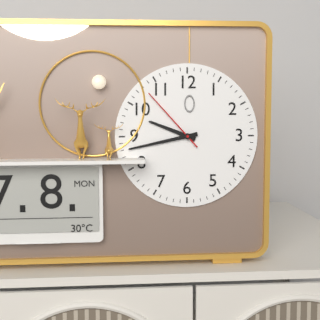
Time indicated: 9:43:53
